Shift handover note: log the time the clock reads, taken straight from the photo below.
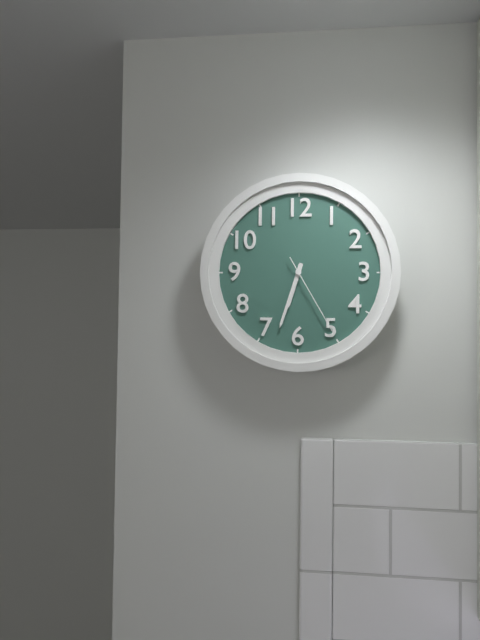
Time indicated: 6:33:25
